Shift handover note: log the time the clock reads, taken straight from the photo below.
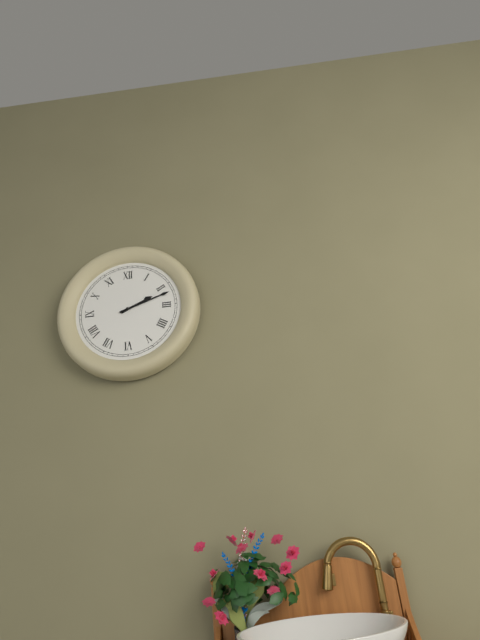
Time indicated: 2:12
